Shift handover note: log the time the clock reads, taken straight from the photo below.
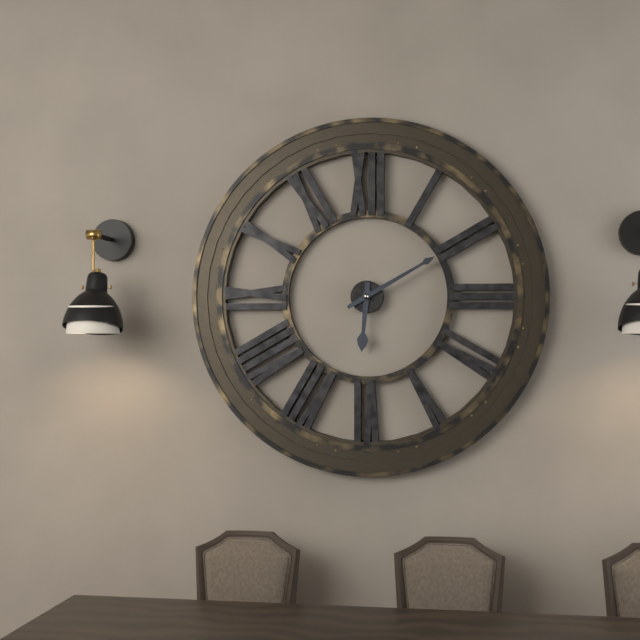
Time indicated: 6:10
